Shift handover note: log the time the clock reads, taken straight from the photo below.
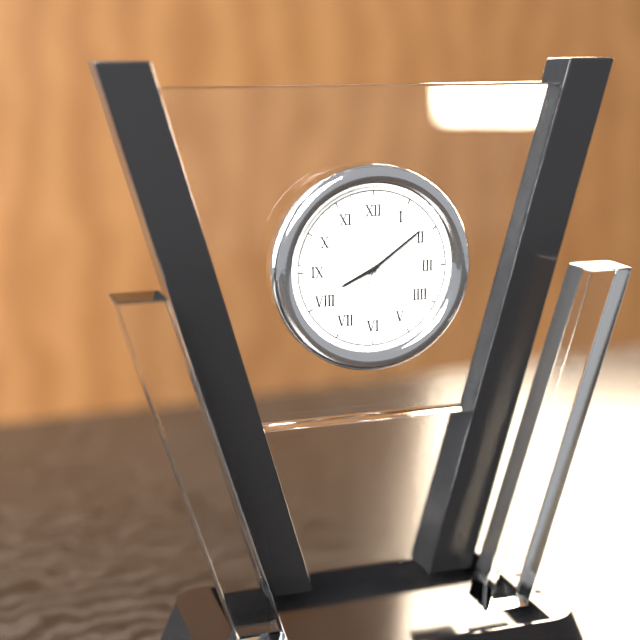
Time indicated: 8:09:04
